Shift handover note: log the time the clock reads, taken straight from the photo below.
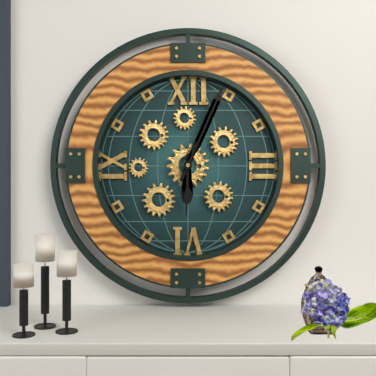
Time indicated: 6:04
